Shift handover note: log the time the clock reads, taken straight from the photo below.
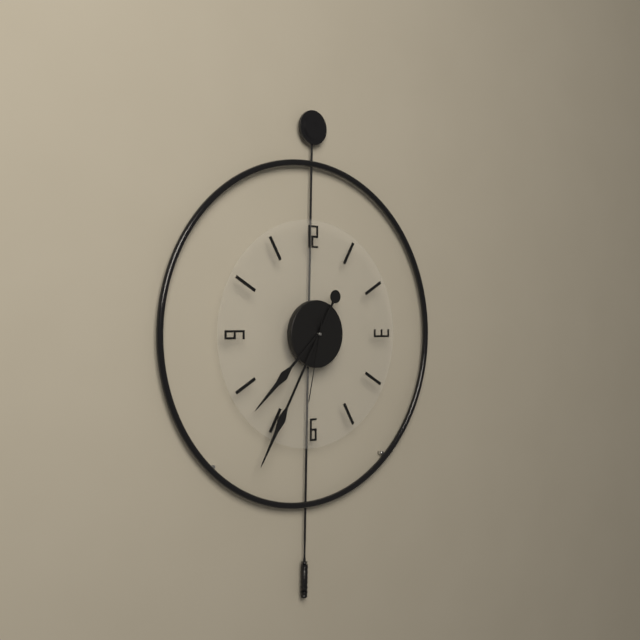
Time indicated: 7:35:32
